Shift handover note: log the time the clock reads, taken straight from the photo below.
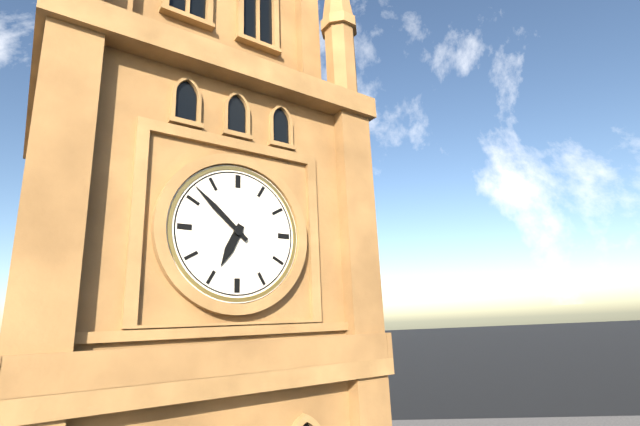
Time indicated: 6:52
